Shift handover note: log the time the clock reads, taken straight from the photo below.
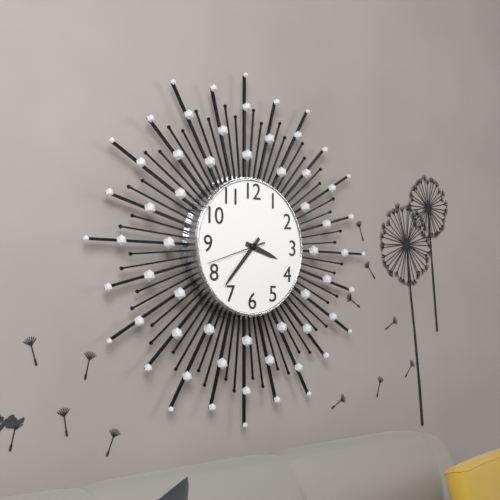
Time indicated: 3:37:42
